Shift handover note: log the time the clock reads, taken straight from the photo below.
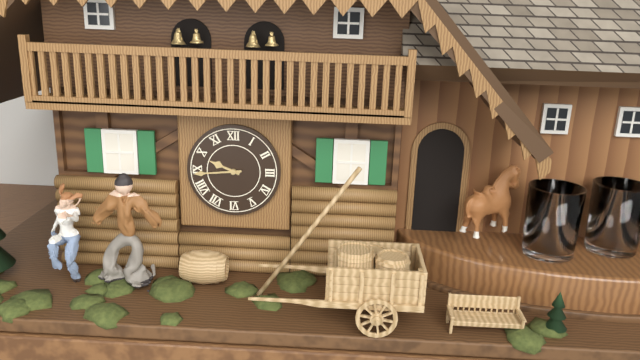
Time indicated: 9:44
